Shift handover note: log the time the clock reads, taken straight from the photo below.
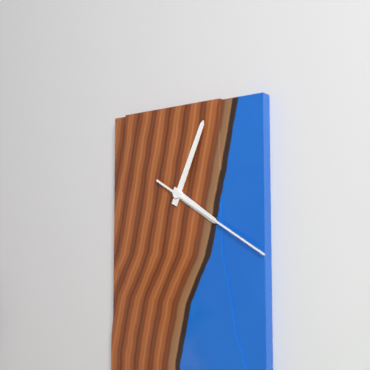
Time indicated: 4:04:20
